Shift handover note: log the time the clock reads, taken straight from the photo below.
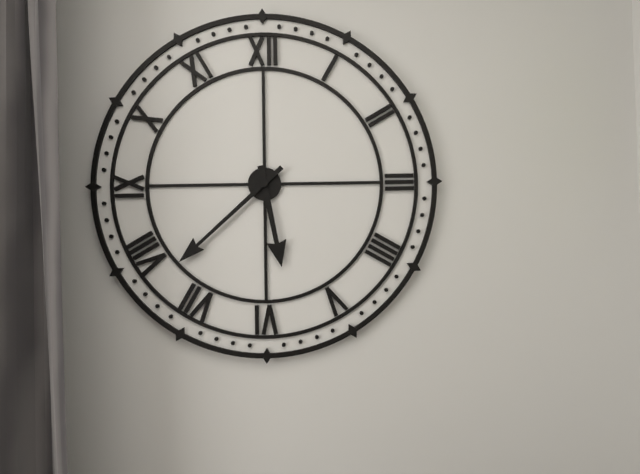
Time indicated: 5:38
